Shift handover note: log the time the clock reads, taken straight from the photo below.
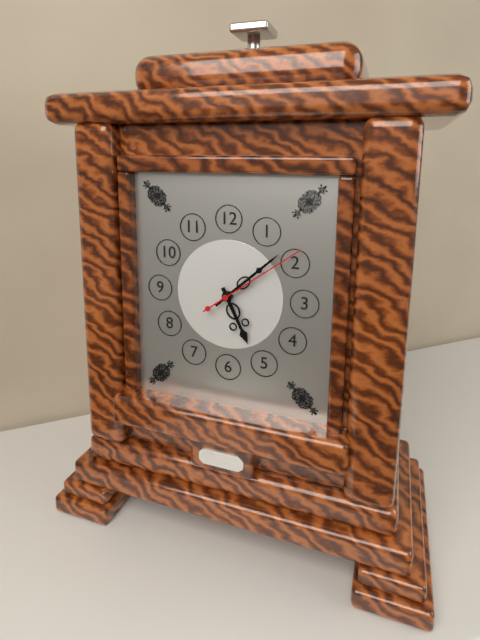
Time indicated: 5:08:09
